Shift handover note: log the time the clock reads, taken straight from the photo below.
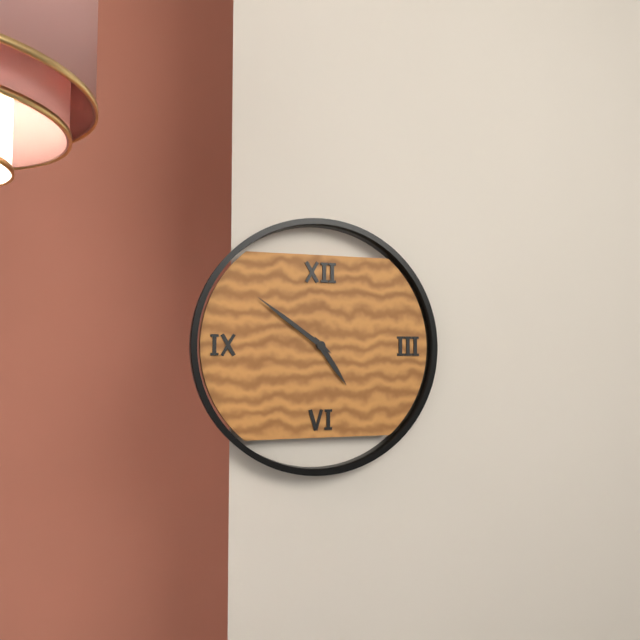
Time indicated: 4:51
